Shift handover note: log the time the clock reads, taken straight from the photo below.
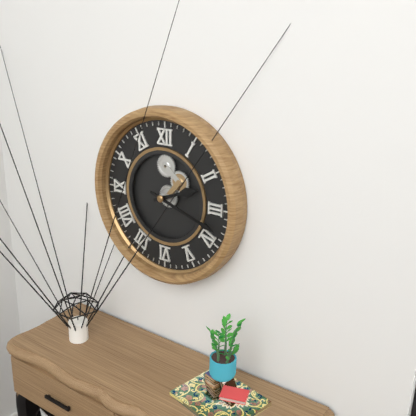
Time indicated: 2:18
